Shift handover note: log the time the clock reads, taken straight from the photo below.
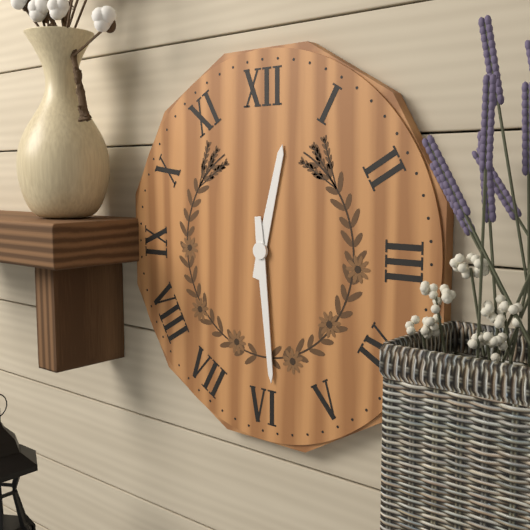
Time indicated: 12:29
